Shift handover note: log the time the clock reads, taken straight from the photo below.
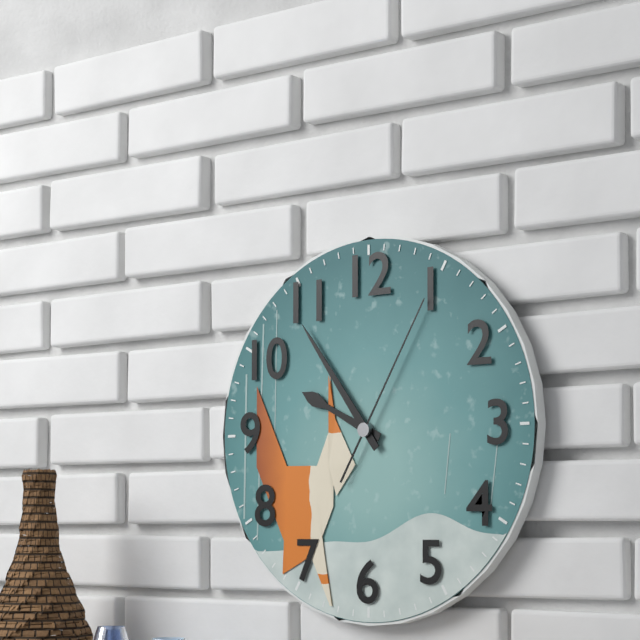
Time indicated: 9:54:05
